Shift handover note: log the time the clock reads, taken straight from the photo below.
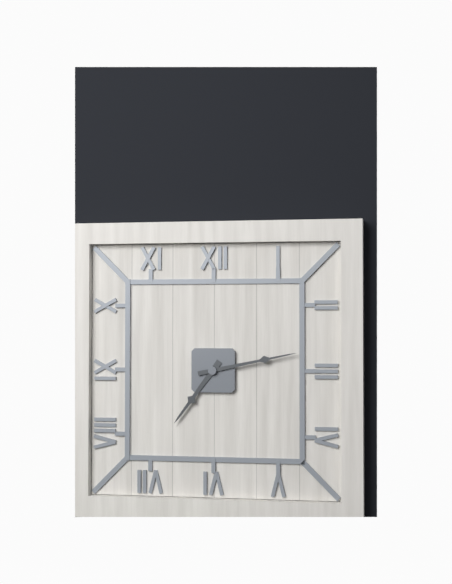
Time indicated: 7:13
